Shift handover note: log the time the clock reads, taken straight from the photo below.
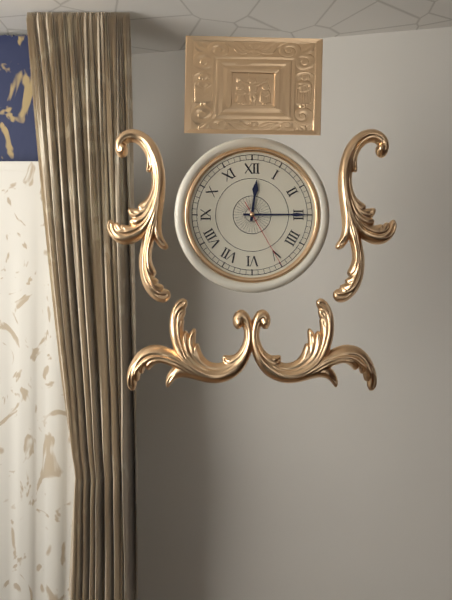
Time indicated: 12:15:25
